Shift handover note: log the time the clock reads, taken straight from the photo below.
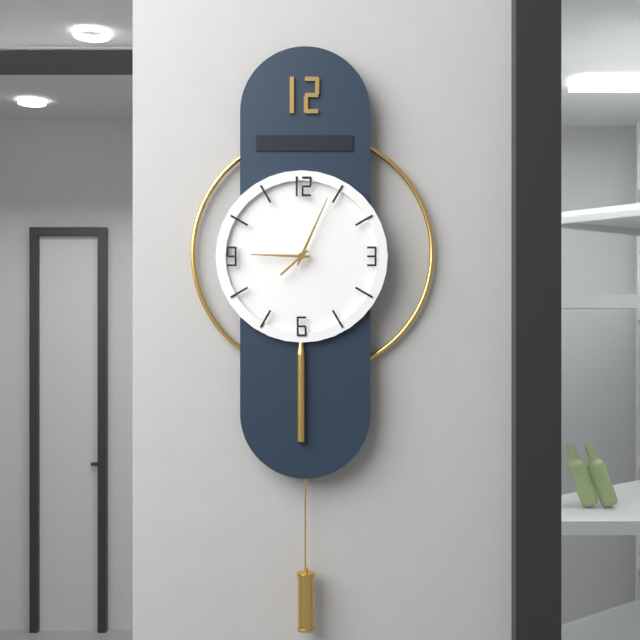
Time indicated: 9:04
